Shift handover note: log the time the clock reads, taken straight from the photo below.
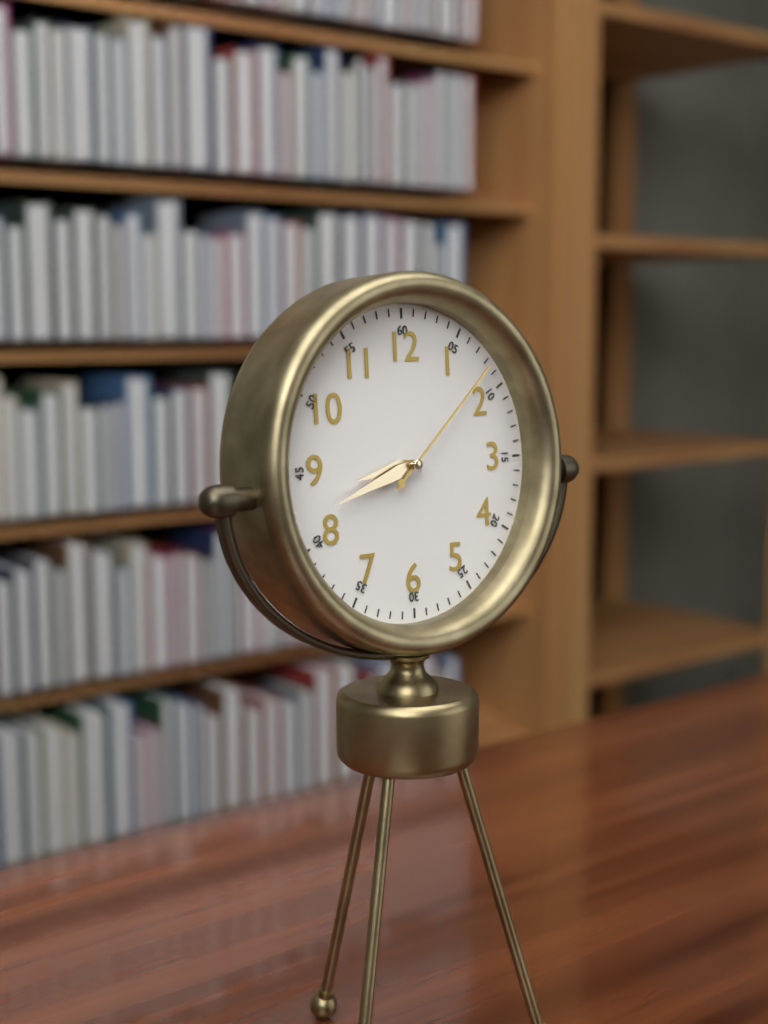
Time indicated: 8:42:08
